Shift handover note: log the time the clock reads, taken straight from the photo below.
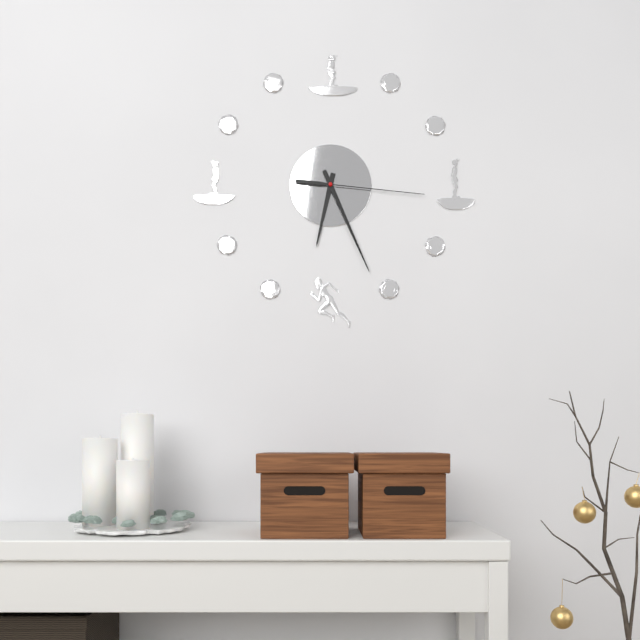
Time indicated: 6:26:16
